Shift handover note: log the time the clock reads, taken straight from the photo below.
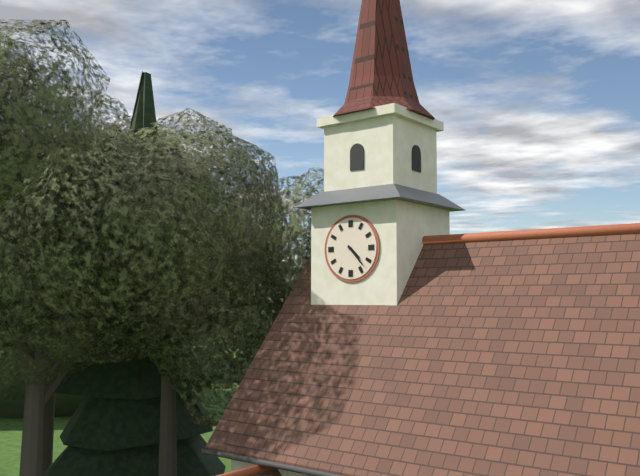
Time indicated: 4:23
